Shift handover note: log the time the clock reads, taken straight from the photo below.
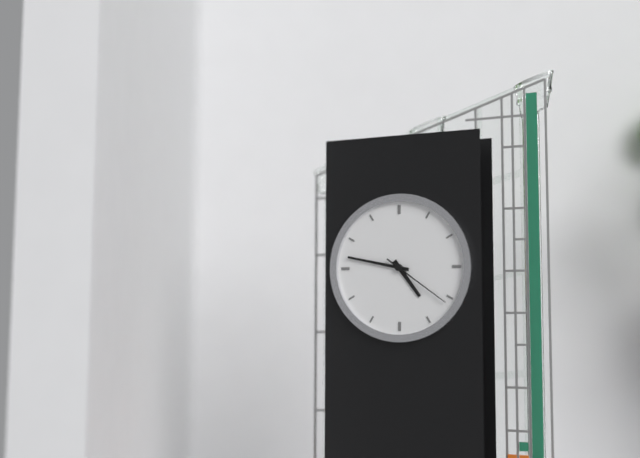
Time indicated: 4:47:21
